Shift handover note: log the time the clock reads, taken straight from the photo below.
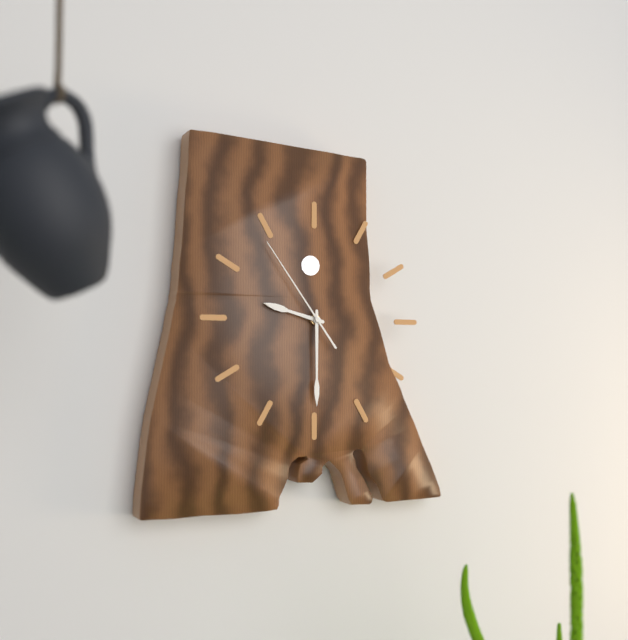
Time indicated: 9:30:54
